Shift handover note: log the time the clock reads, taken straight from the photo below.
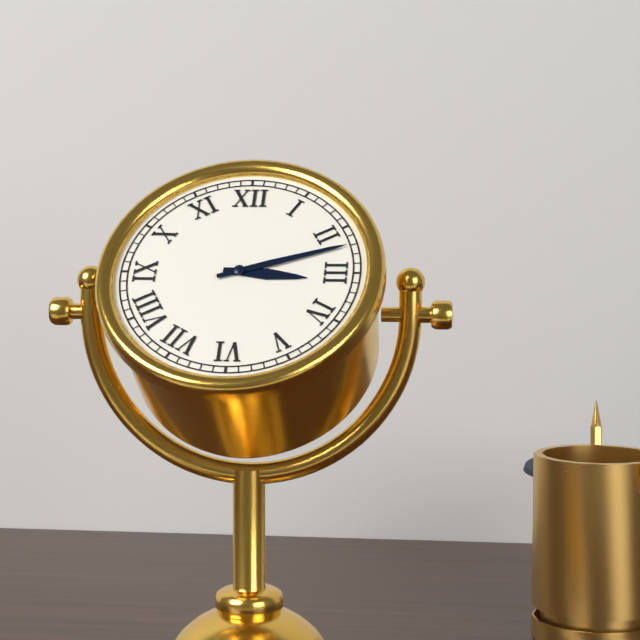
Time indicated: 3:12
